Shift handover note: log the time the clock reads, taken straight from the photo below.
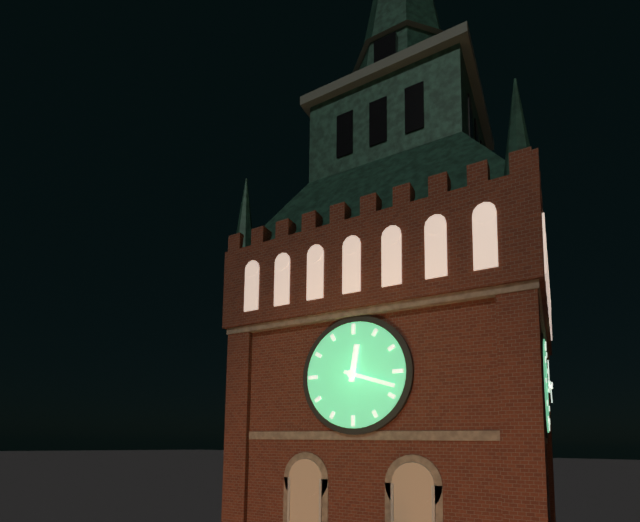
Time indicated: 12:18
